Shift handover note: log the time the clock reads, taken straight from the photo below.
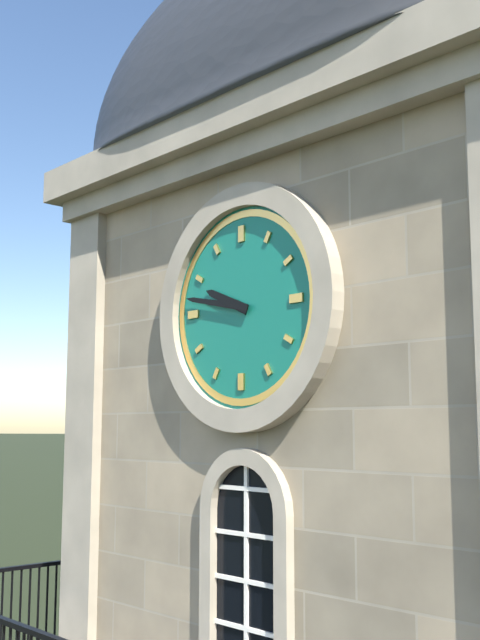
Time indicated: 9:47
